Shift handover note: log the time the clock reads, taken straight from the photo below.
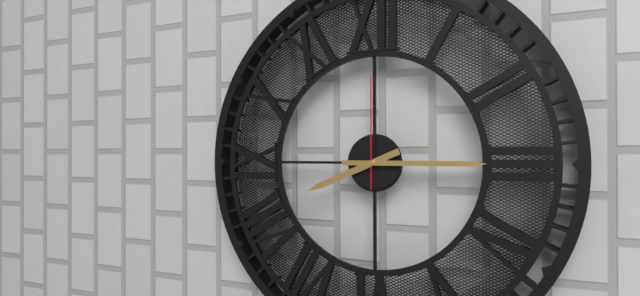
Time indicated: 8:15:00
